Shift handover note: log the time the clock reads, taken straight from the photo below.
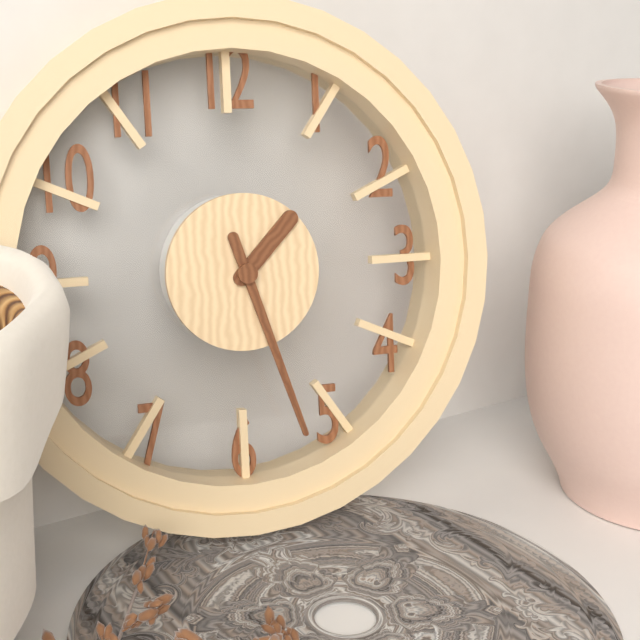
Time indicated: 1:27
